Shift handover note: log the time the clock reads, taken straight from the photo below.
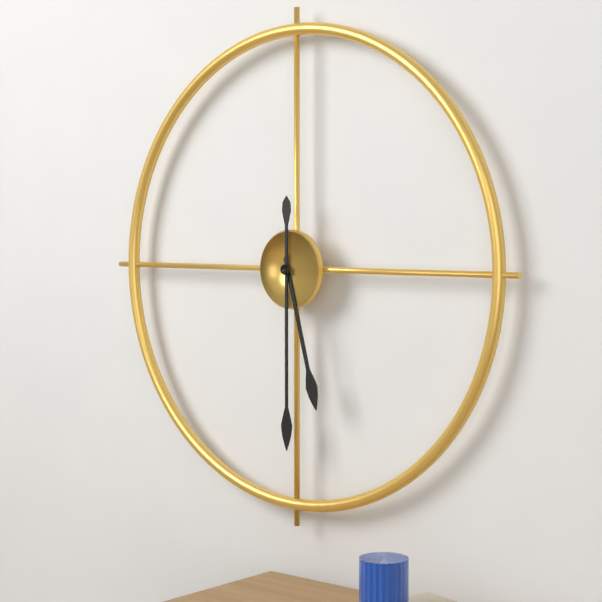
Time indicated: 5:30
